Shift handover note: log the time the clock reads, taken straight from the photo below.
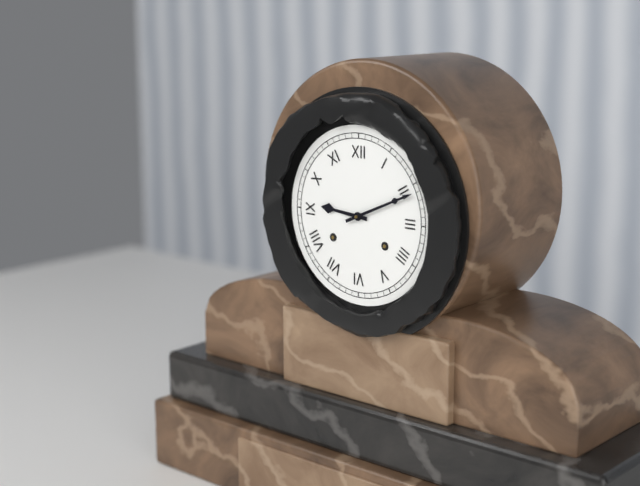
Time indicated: 9:11
